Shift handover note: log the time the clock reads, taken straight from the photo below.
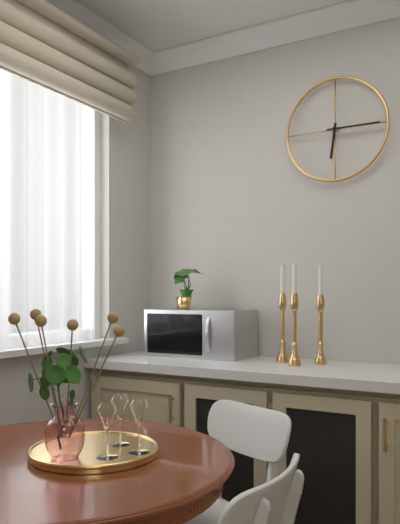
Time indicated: 6:15
